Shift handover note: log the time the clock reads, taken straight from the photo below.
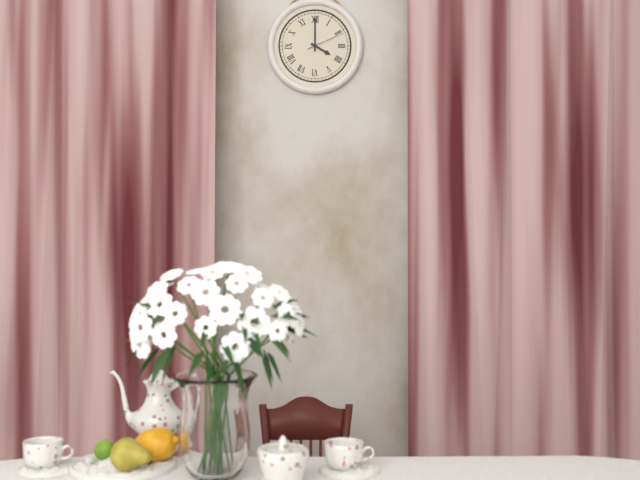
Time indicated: 4:00
